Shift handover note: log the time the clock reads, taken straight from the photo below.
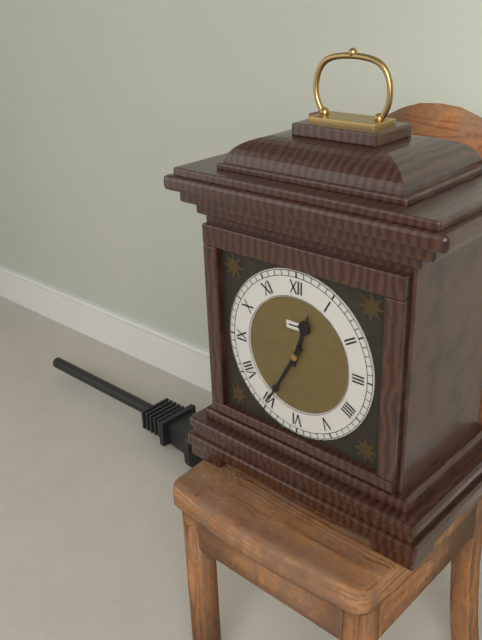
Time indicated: 12:35
